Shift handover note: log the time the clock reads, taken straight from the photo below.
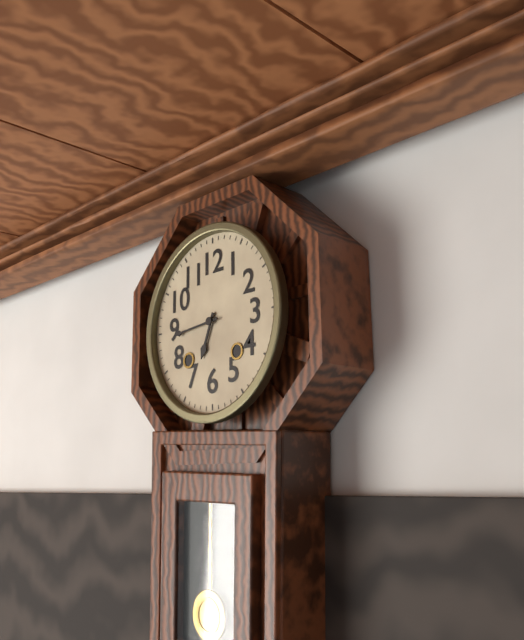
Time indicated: 6:44
